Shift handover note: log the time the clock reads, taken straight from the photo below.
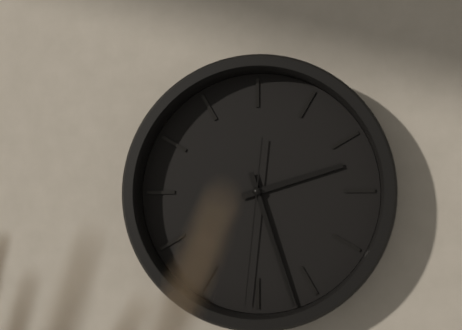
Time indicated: 2:27:31
